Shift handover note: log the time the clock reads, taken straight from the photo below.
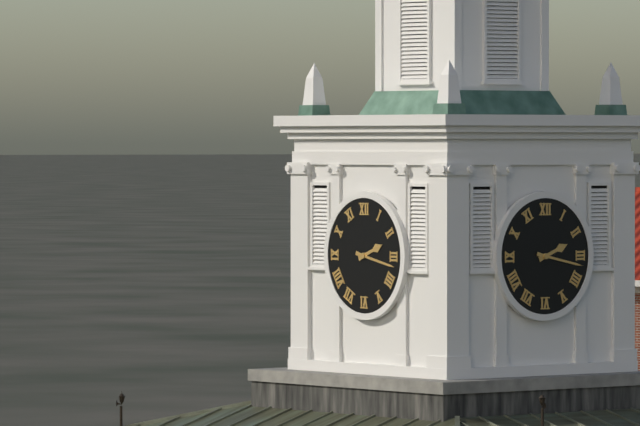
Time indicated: 2:17
